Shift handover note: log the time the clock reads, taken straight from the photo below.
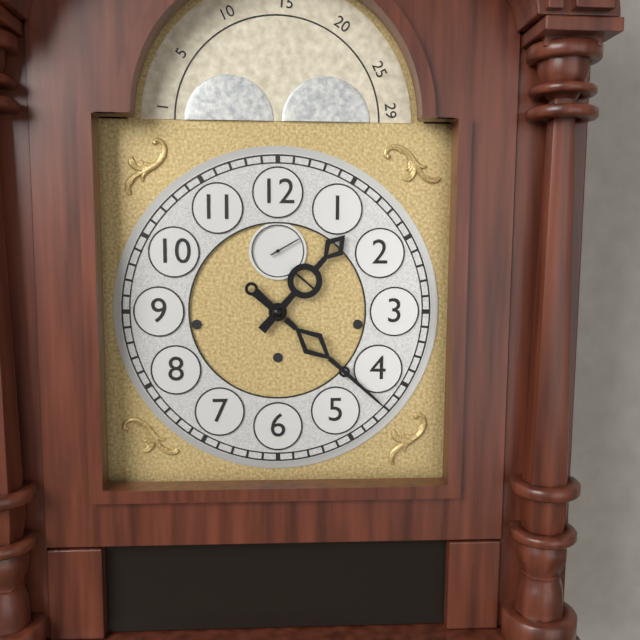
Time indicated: 1:22
